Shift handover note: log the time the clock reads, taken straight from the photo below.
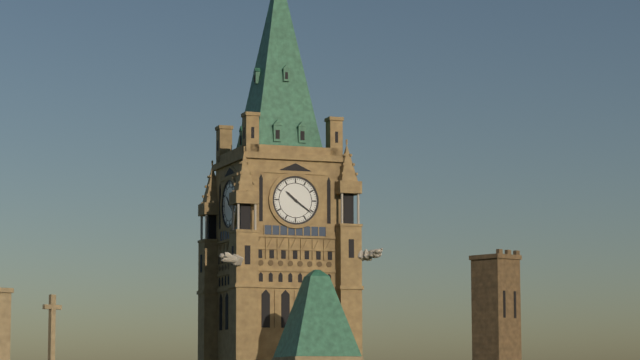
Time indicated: 10:21
